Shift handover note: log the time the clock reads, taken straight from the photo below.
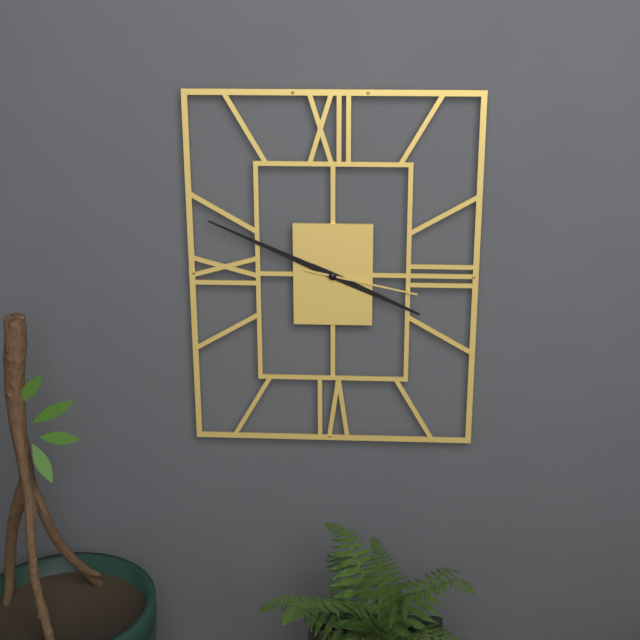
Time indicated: 3:49:17
